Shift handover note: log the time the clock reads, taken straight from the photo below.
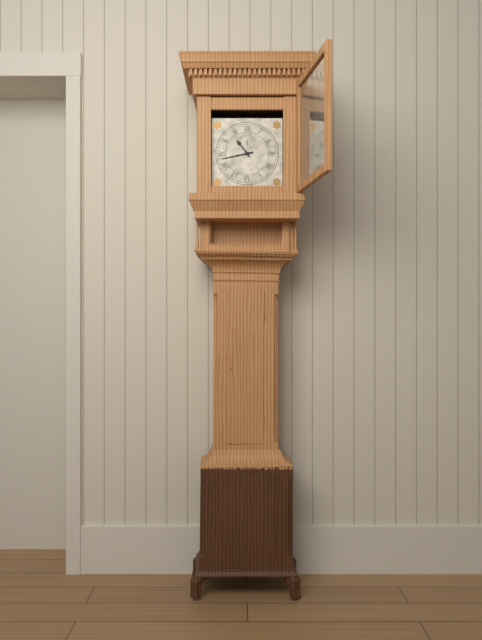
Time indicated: 10:43
